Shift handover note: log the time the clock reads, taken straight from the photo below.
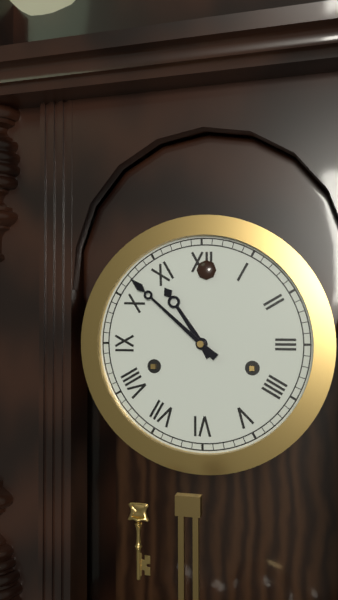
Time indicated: 10:52
